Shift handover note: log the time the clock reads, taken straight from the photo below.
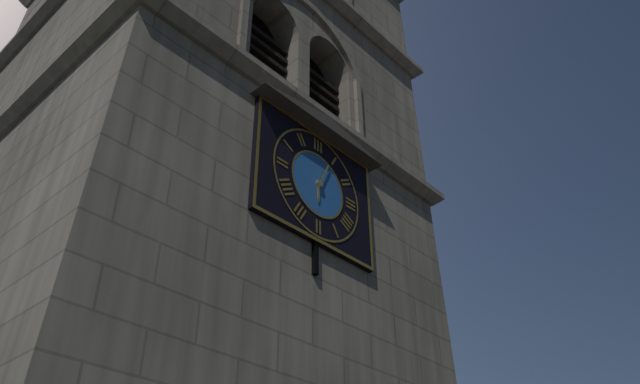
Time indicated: 6:04
